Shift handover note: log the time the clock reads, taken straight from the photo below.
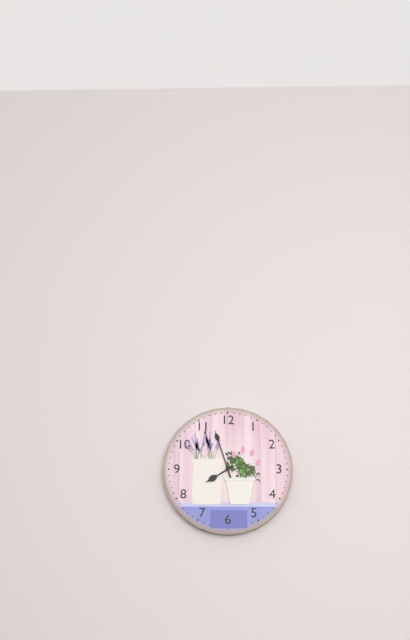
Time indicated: 7:57
